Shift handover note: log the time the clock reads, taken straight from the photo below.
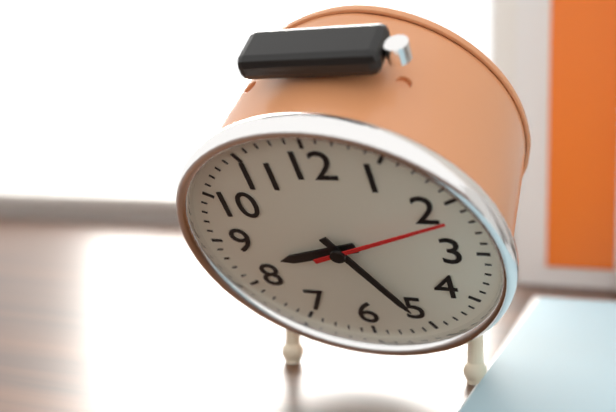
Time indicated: 8:25:11
